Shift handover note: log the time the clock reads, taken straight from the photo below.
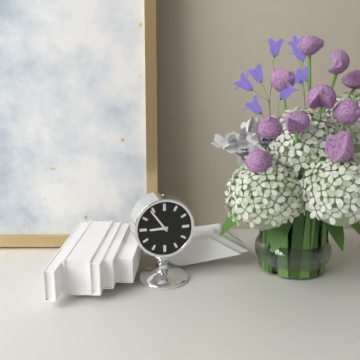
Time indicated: 8:54
